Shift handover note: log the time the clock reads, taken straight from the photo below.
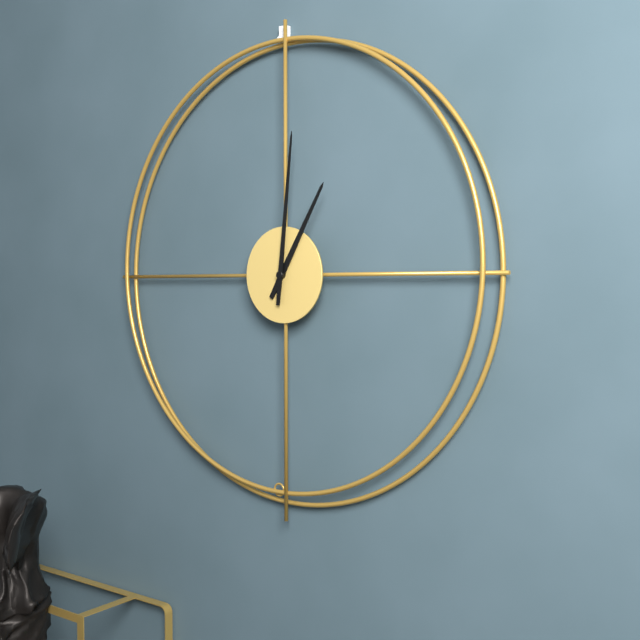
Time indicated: 1:01
